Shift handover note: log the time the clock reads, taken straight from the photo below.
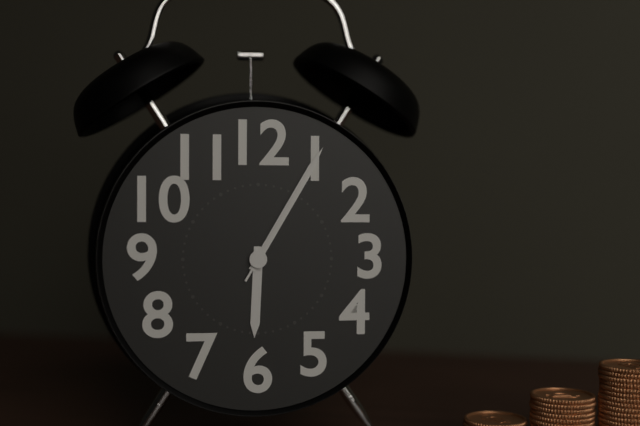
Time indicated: 6:05:05
